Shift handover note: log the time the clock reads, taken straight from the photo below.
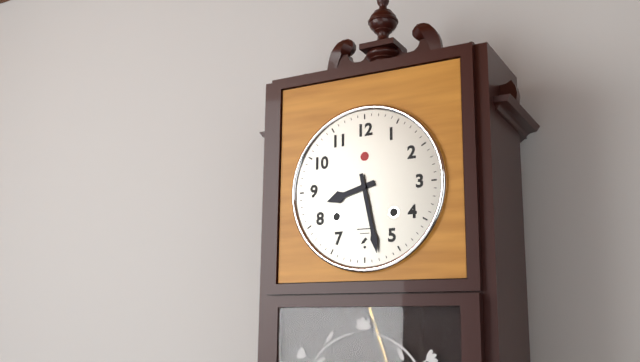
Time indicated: 8:28
